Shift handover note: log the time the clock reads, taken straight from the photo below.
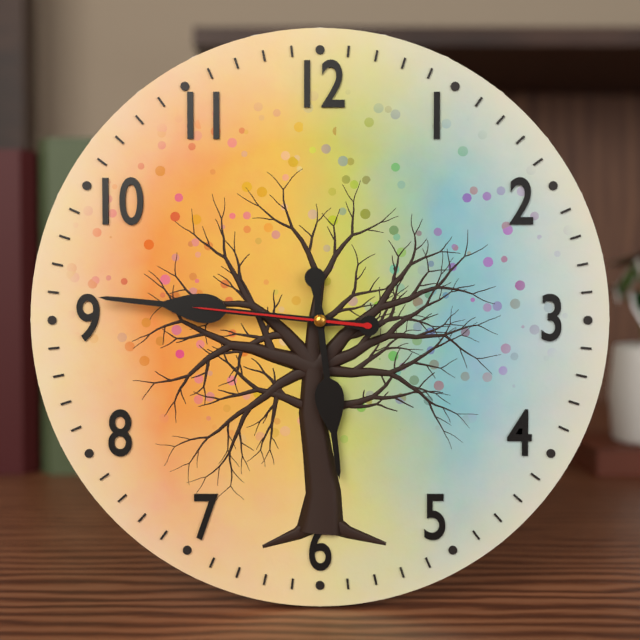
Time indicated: 5:46:46
